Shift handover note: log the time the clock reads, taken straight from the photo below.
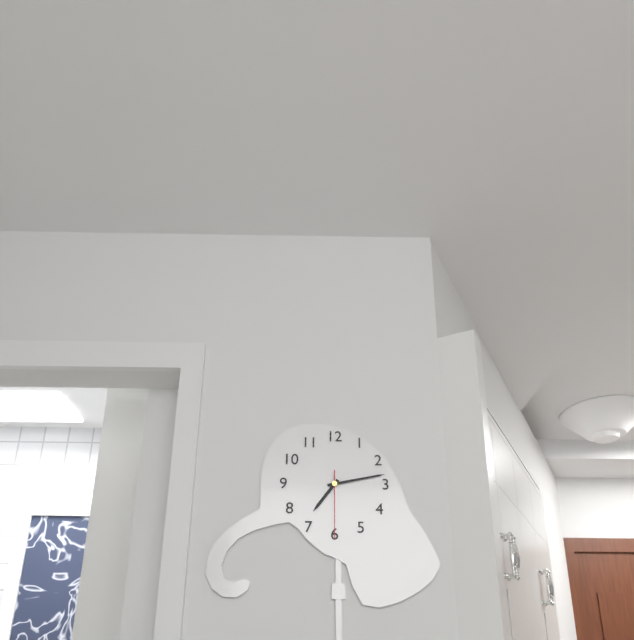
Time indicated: 7:13:30
